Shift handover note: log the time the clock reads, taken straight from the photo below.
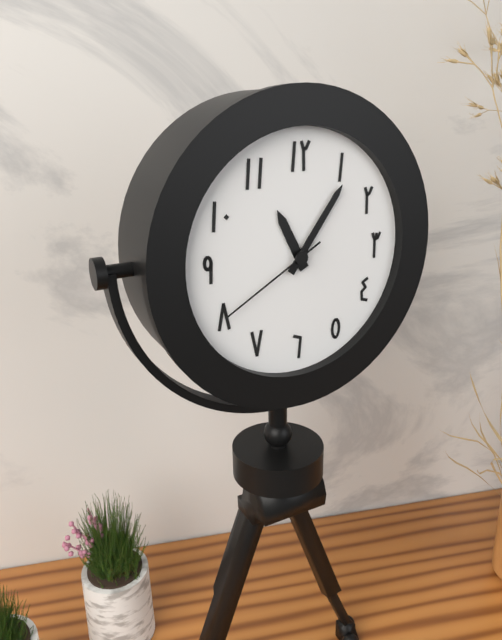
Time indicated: 11:06:40
